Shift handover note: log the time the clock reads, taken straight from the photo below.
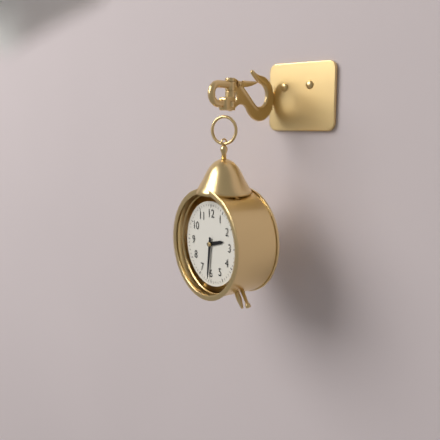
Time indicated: 2:31
